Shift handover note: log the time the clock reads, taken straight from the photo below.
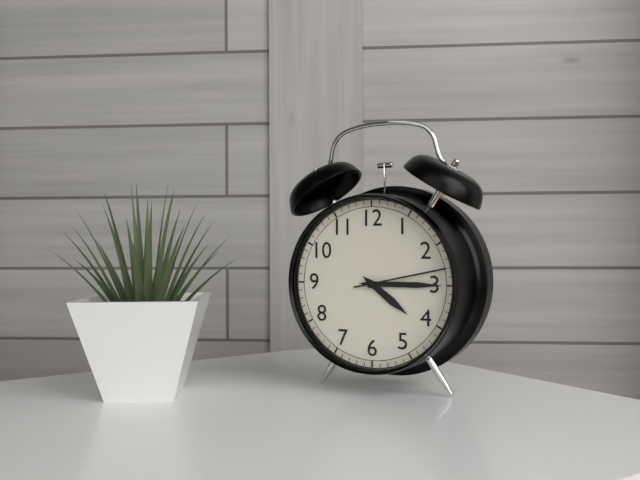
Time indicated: 4:15:13
